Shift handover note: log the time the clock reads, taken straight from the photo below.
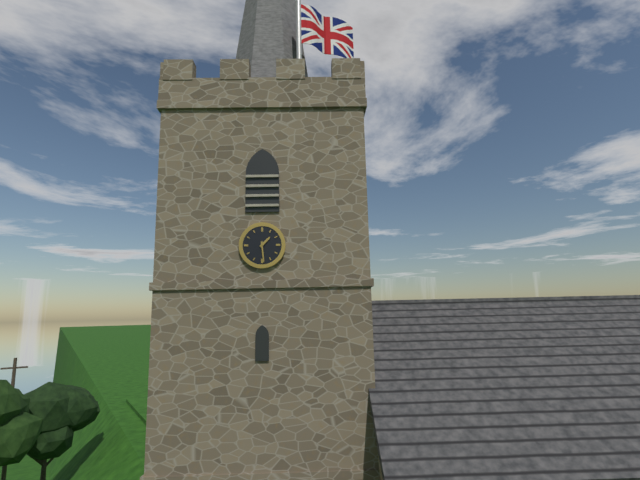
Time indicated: 1:29
